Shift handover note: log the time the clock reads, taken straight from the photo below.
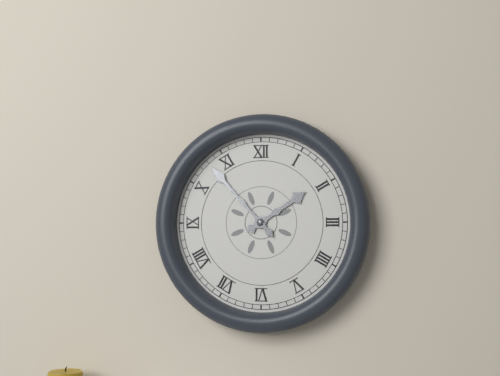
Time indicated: 1:53
